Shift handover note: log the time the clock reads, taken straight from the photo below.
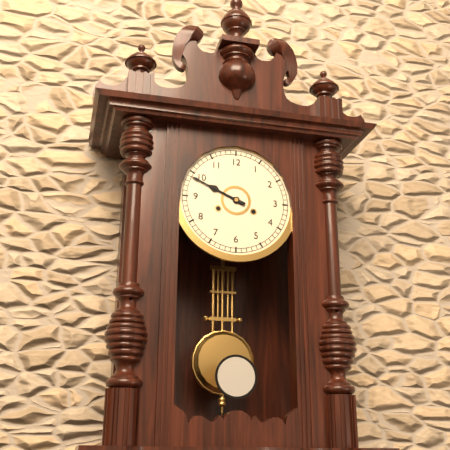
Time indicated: 9:49
